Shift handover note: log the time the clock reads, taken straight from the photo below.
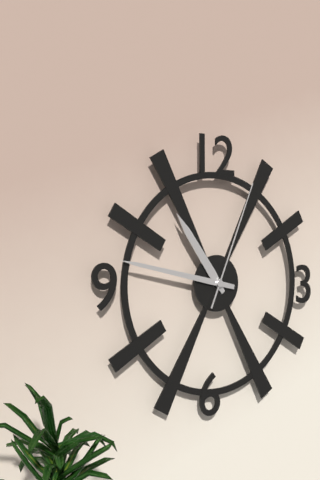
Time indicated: 10:47:04
